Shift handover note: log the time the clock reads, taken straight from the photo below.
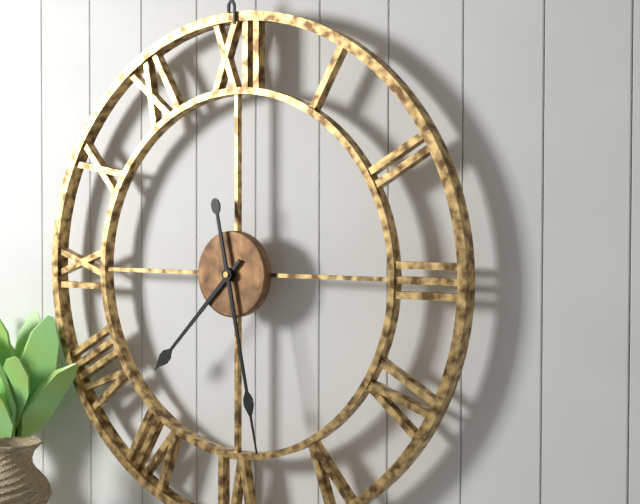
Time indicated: 7:28
